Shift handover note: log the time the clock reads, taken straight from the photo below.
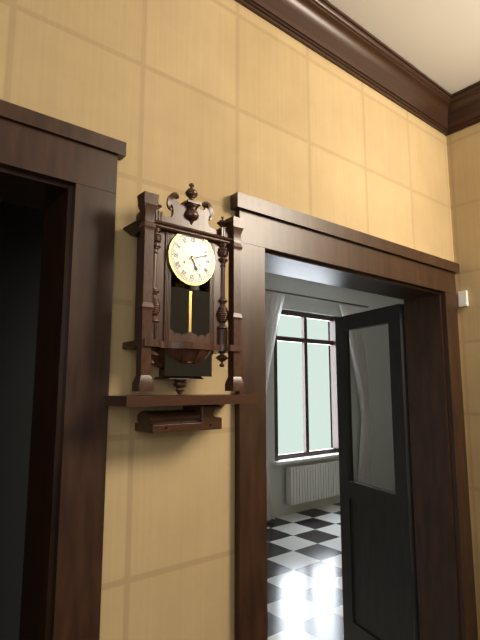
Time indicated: 5:12
